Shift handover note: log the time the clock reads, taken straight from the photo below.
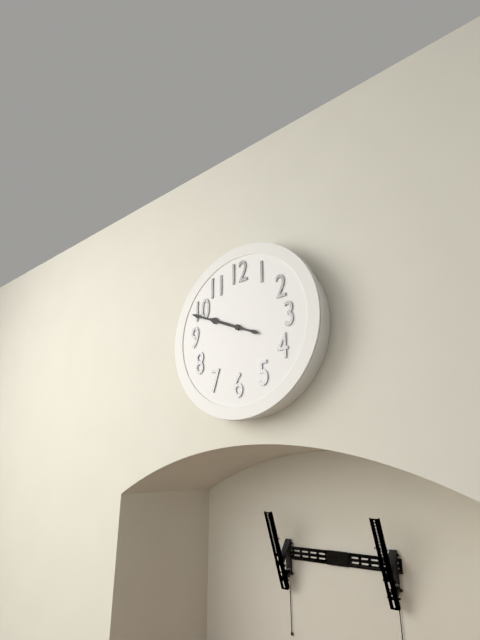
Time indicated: 9:49
